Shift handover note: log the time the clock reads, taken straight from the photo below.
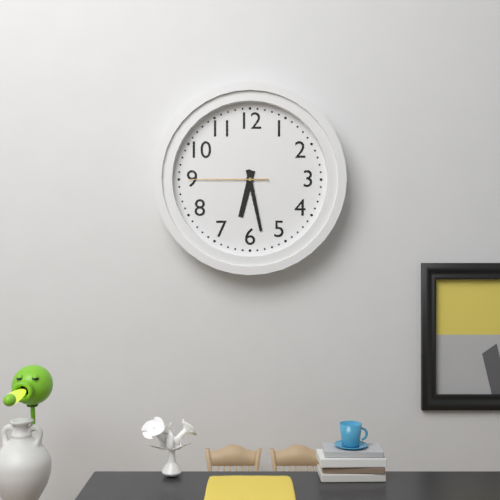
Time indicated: 6:28:45
